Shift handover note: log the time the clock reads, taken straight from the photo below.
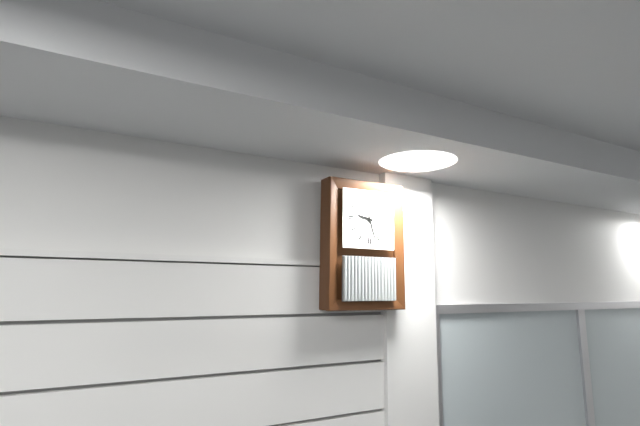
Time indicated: 9:27
